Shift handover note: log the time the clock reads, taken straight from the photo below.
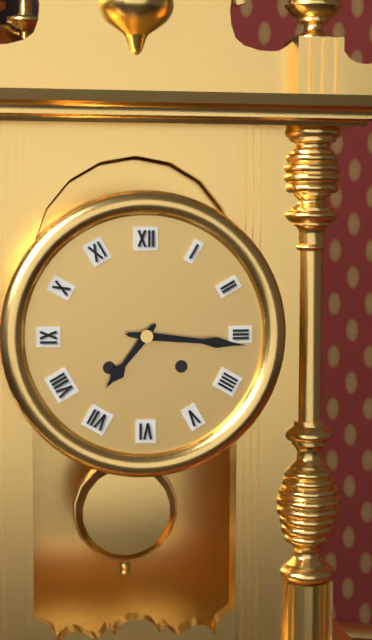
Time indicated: 7:16
